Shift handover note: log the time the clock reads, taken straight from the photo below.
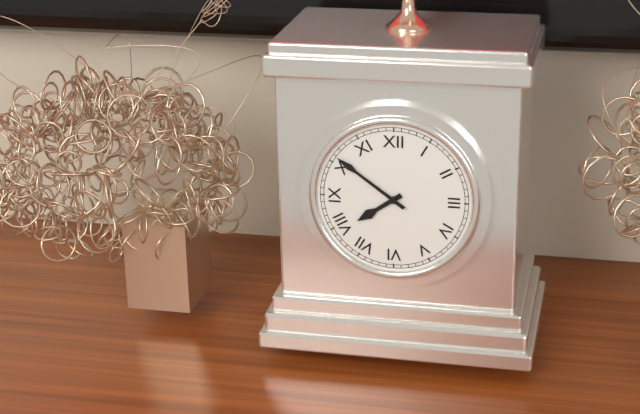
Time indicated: 7:51
